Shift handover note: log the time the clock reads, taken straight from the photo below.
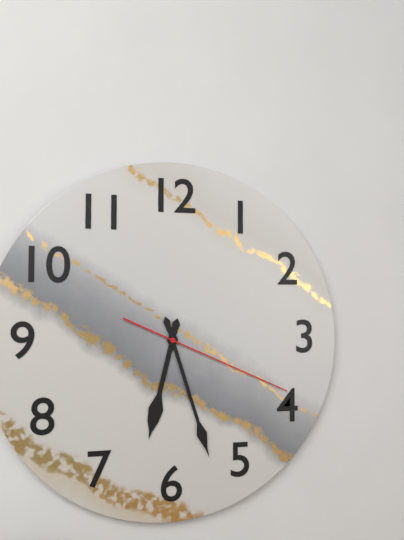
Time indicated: 6:27:19
